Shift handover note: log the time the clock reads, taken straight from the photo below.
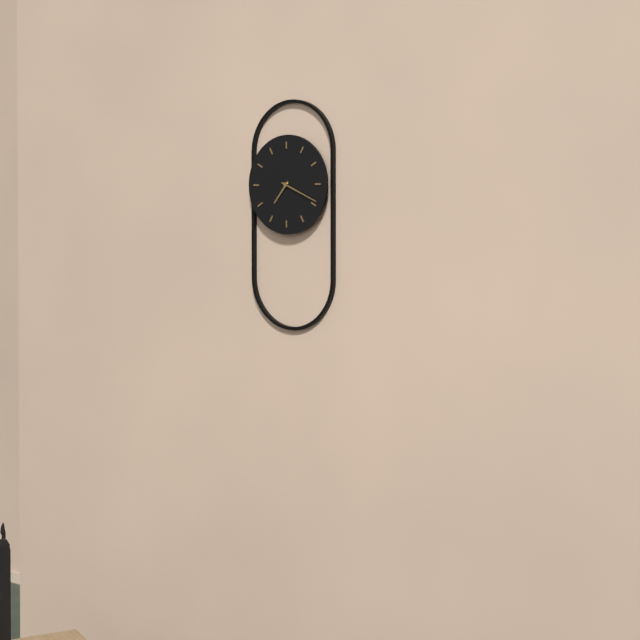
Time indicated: 7:19
